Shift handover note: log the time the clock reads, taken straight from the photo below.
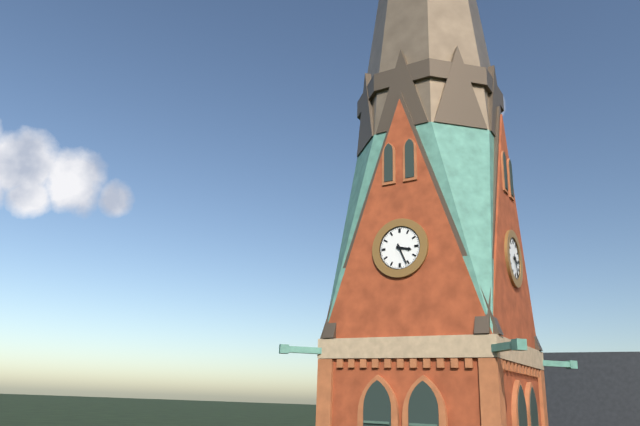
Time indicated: 3:26
